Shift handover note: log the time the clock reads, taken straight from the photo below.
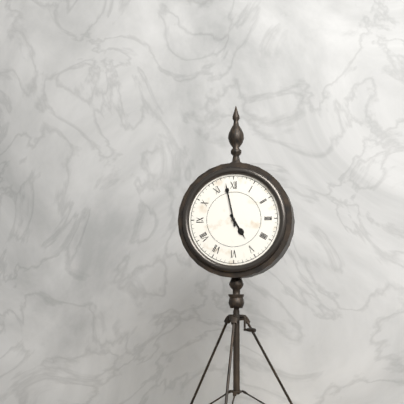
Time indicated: 4:58
